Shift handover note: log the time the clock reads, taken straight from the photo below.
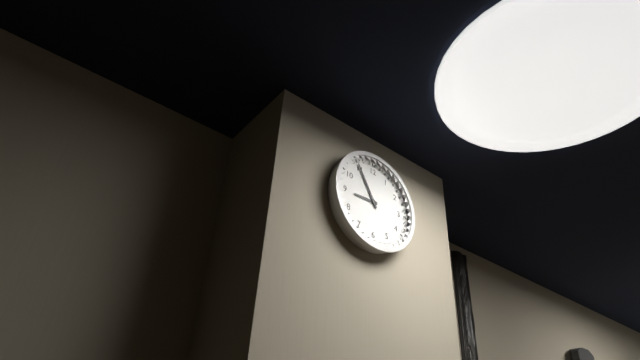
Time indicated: 8:55
